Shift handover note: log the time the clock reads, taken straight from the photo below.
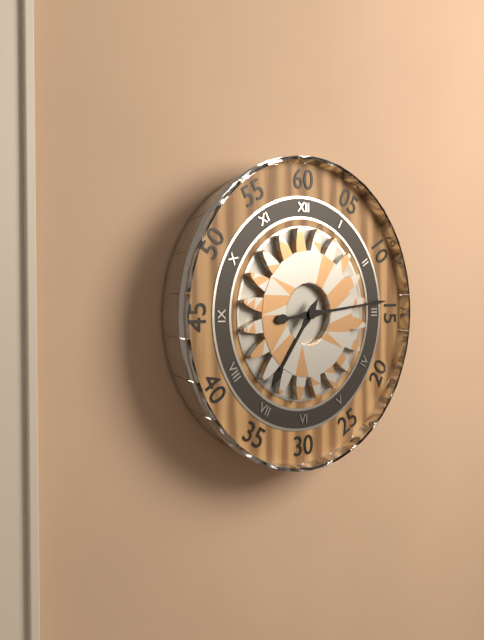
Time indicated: 7:14
